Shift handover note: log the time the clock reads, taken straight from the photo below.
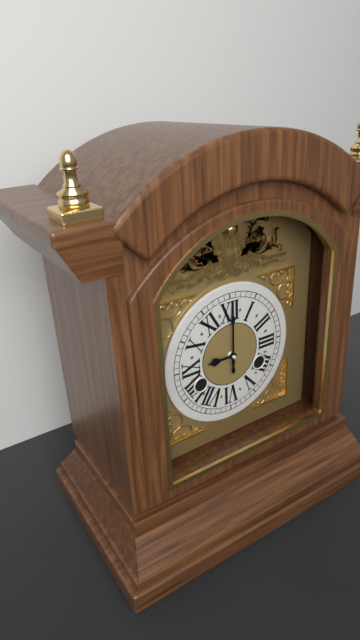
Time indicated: 9:00
